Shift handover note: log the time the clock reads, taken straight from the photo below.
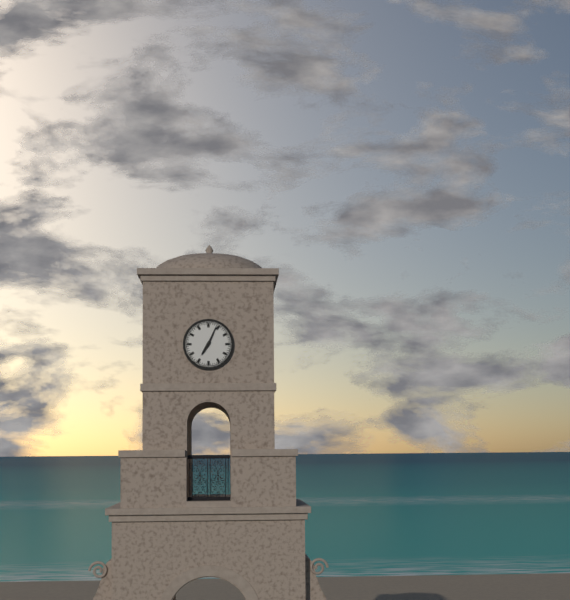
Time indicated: 7:04
